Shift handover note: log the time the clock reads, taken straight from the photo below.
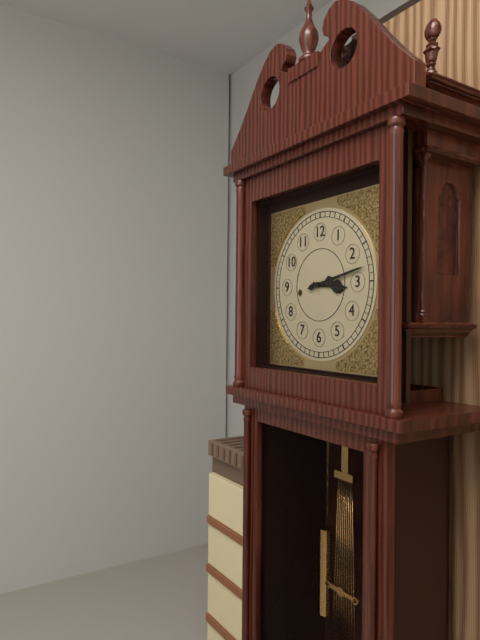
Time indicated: 3:13
